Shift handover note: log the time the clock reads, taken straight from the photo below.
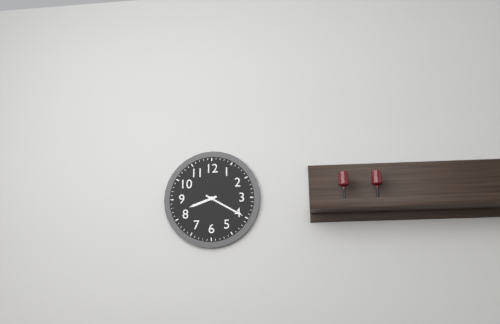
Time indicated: 8:20
